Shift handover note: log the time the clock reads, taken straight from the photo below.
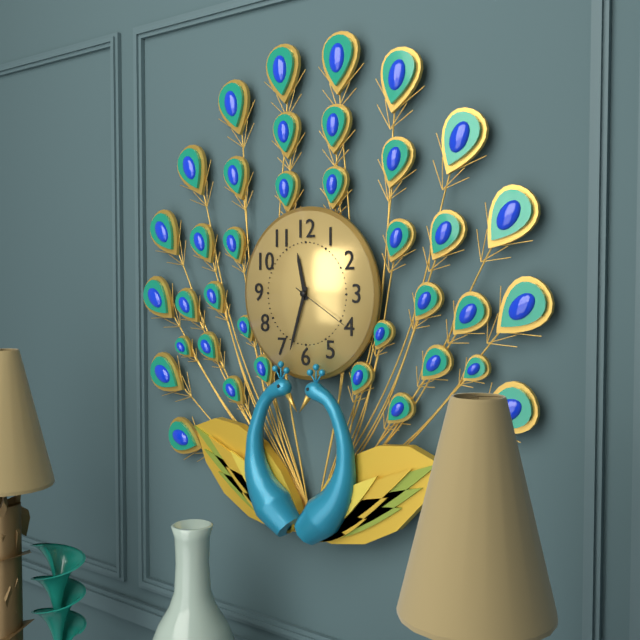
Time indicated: 11:33:20
